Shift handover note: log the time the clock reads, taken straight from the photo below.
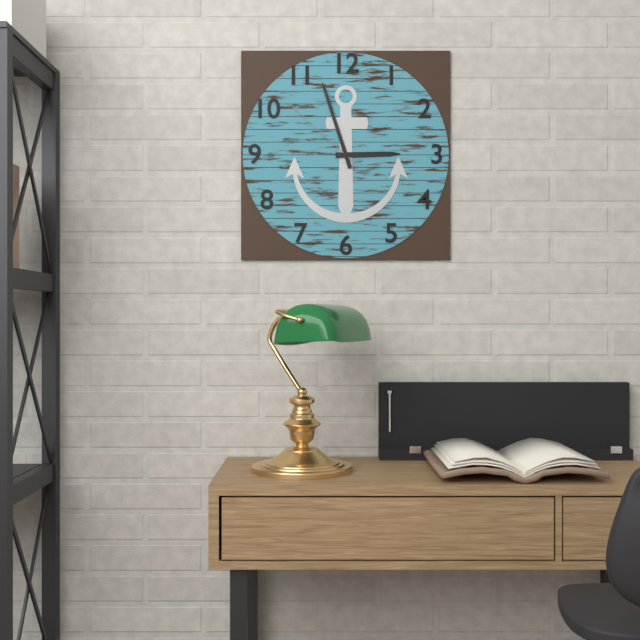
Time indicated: 2:57:52
